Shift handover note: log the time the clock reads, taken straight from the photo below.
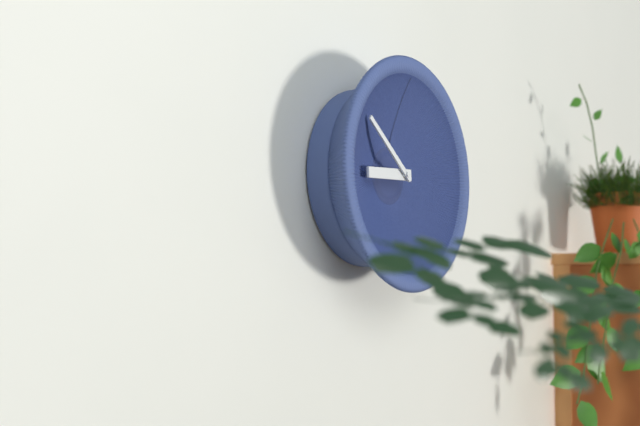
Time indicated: 8:51
